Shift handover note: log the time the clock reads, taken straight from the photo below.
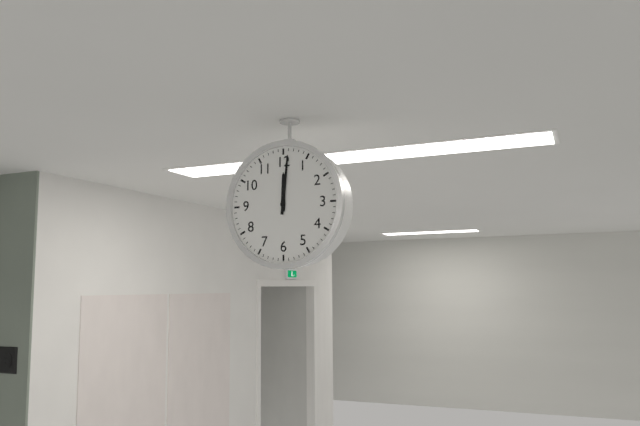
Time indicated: 12:01
